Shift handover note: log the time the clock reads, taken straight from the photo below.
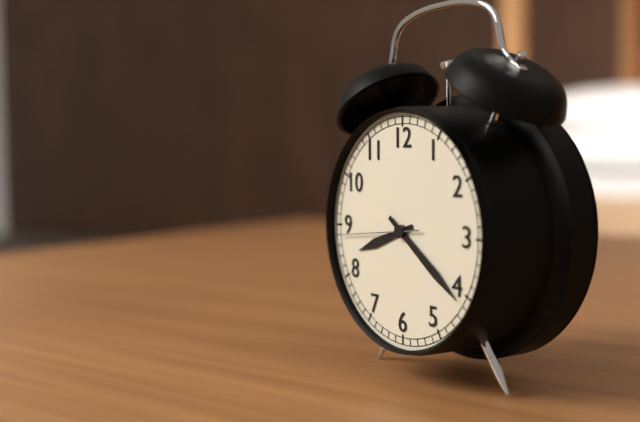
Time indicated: 8:21:44
